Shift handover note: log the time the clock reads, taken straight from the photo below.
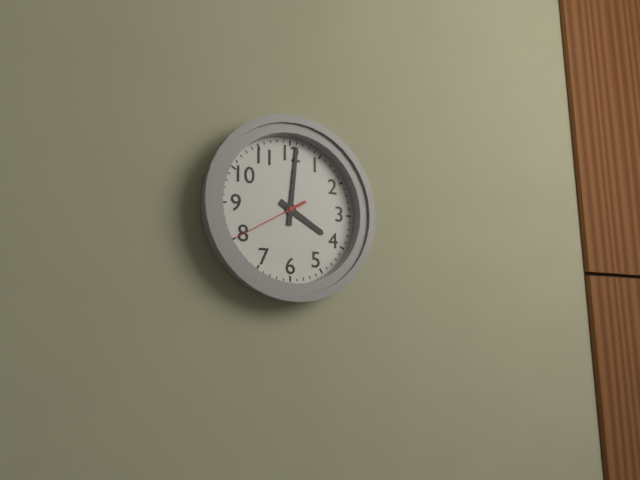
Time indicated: 4:01:40
